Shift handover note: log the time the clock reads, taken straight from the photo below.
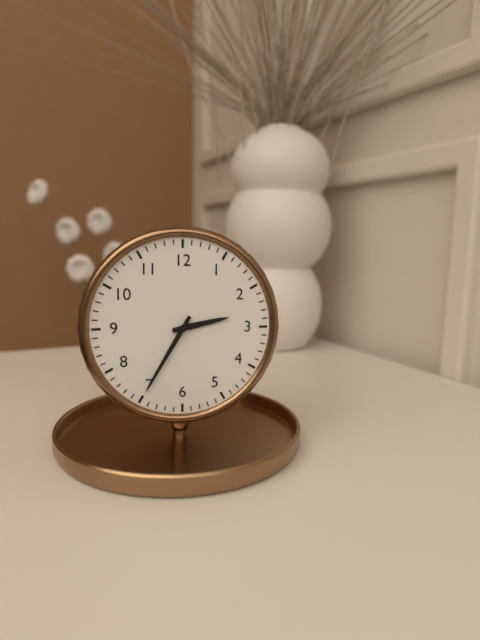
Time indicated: 2:35
